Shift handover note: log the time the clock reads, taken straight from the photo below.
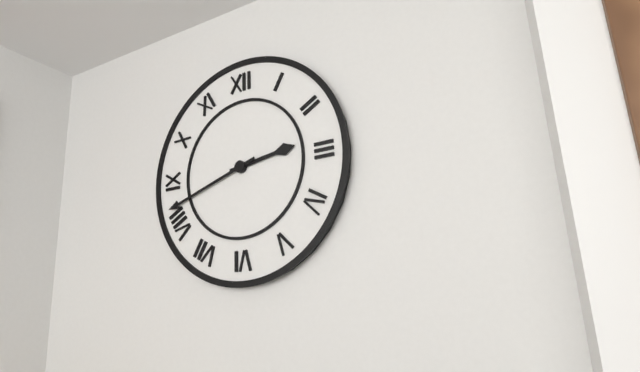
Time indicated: 2:42
